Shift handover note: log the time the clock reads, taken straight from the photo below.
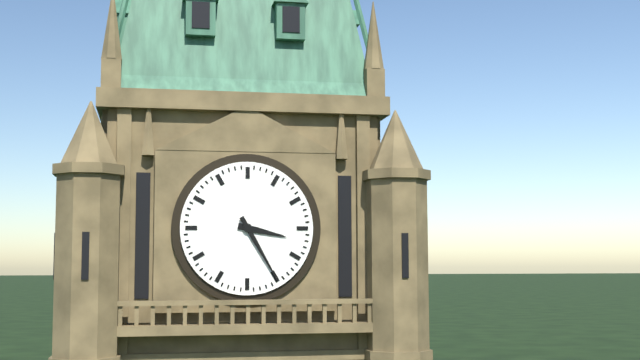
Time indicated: 3:25
